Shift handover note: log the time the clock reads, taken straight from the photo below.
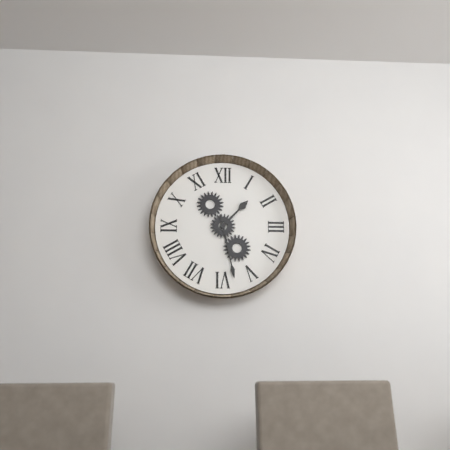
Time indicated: 1:28
